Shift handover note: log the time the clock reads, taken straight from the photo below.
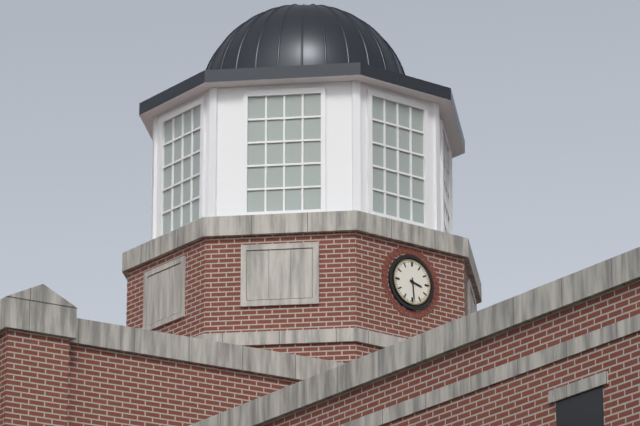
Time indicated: 3:29
